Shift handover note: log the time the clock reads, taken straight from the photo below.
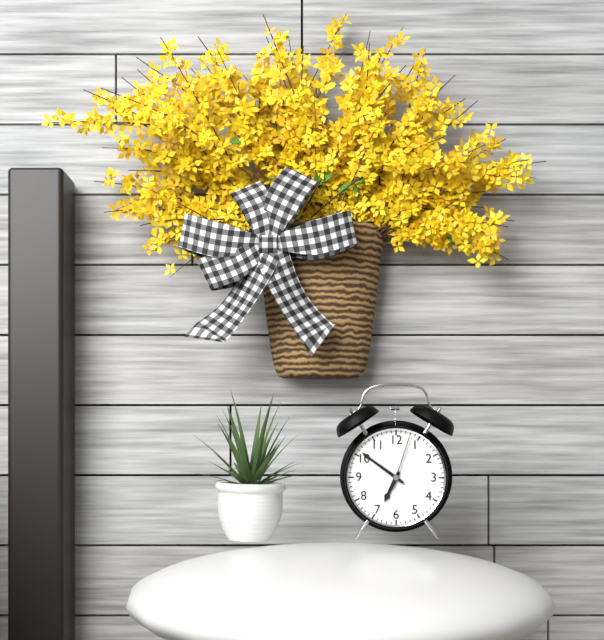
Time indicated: 6:51:03
